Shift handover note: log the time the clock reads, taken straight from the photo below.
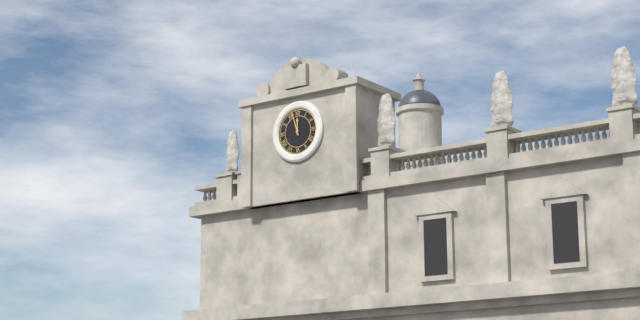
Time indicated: 11:57
